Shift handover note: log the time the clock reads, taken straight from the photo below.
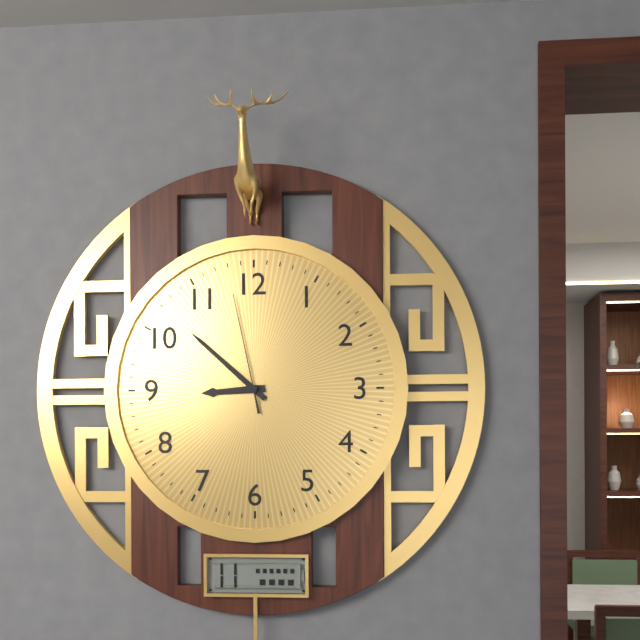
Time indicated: 8:52:58
